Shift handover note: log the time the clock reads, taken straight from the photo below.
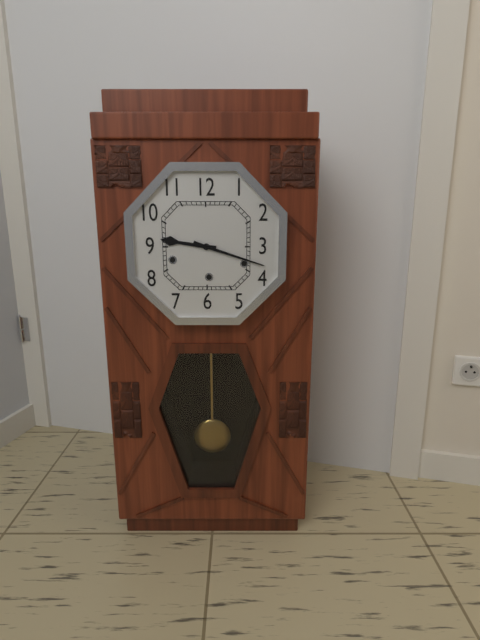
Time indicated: 9:18
